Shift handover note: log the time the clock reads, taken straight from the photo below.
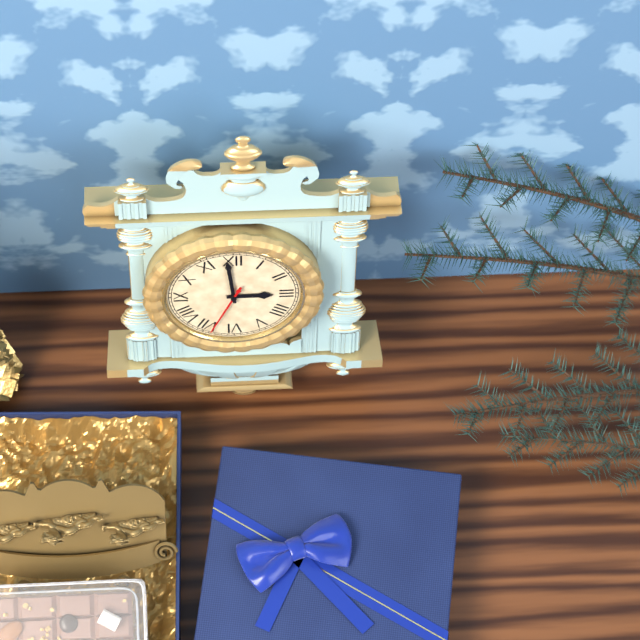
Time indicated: 2:59:34
